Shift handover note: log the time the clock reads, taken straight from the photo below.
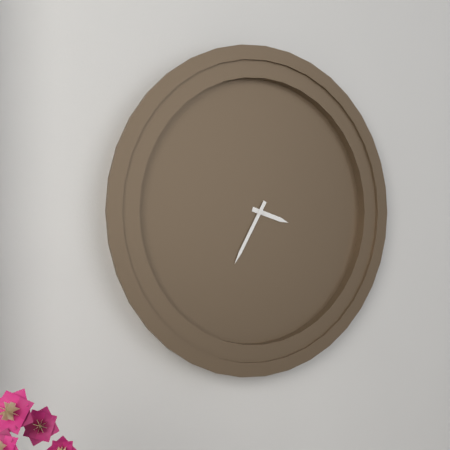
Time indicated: 3:35
